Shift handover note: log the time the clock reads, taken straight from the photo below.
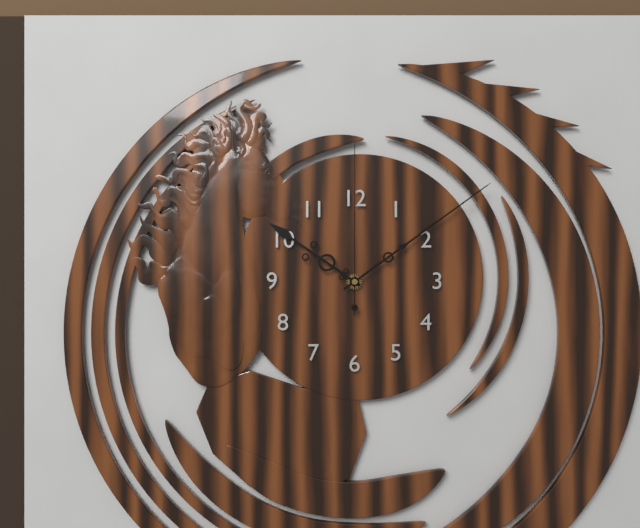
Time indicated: 10:09:00
